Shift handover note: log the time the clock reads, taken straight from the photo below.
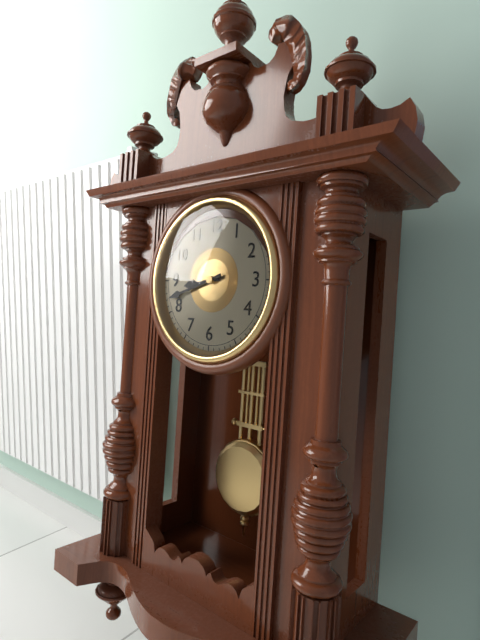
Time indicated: 8:42
